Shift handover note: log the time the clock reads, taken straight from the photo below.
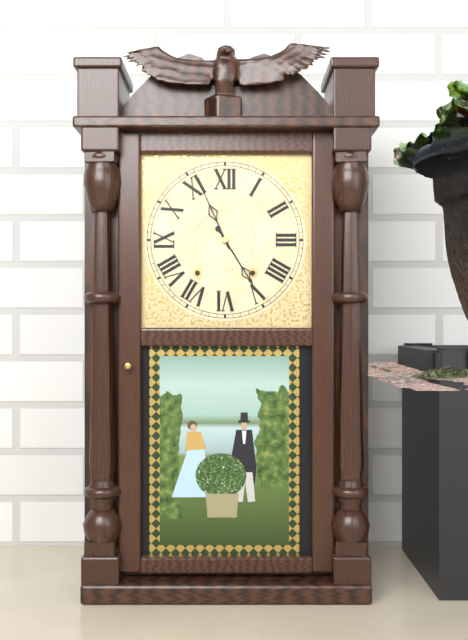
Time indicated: 4:56
